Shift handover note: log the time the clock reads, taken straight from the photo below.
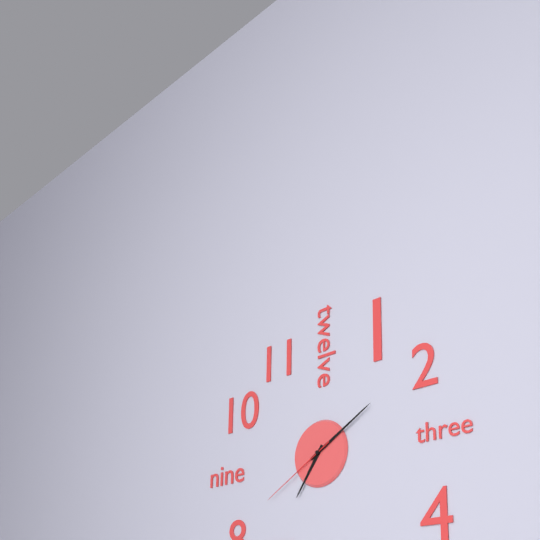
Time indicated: 7:10:40
